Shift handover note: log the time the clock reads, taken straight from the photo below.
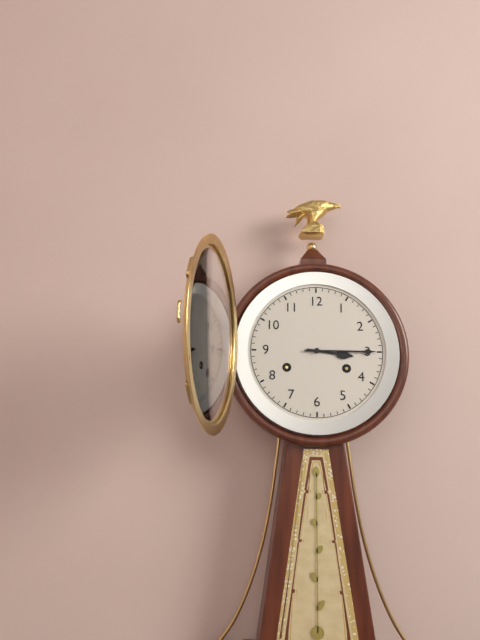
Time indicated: 3:15
